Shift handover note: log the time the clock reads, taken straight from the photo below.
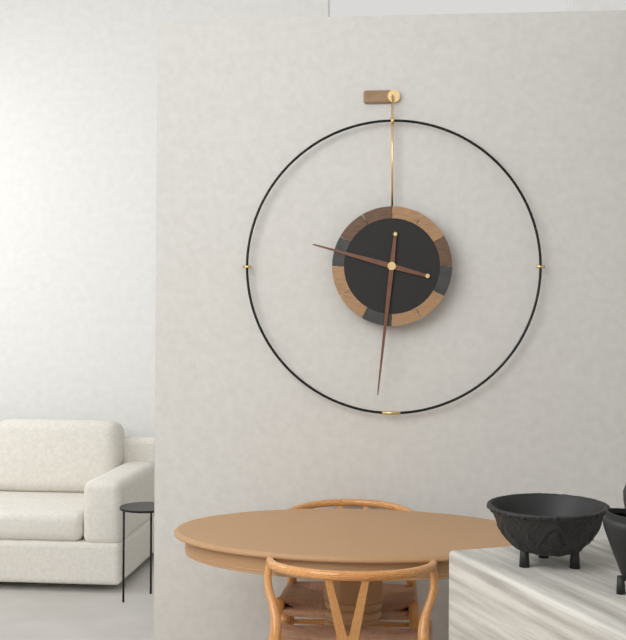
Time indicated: 9:31
